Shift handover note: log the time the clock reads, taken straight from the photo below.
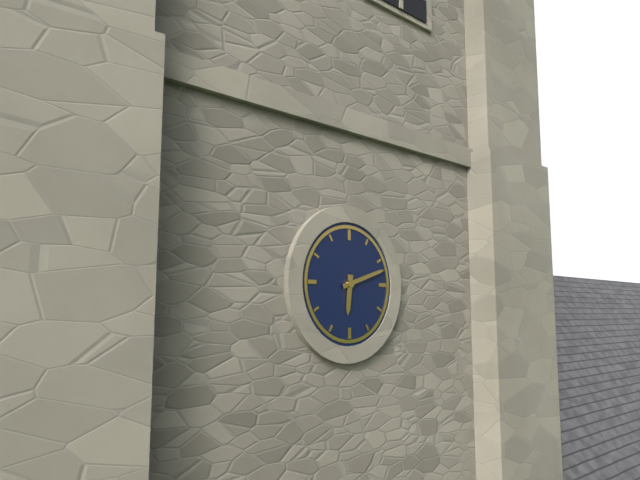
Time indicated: 6:12
